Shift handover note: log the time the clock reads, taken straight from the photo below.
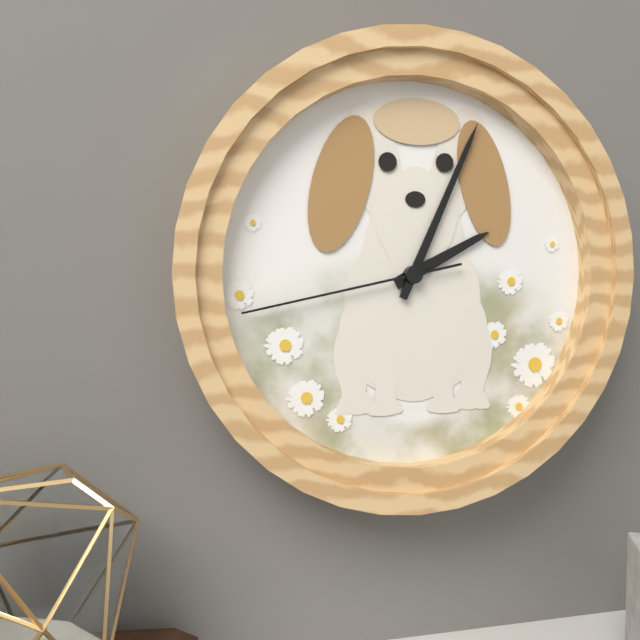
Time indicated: 2:04:43
